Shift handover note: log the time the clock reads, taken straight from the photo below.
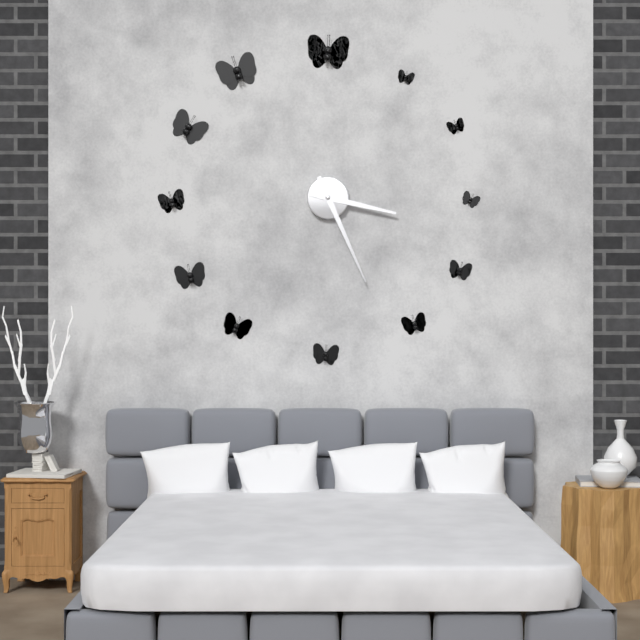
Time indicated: 3:26
